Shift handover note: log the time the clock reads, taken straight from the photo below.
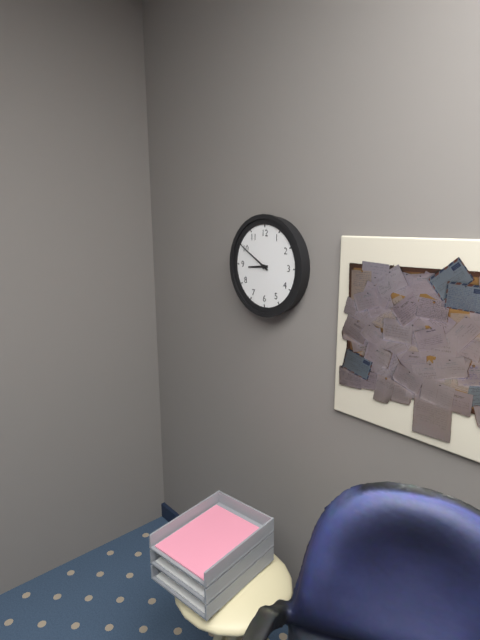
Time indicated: 8:50
